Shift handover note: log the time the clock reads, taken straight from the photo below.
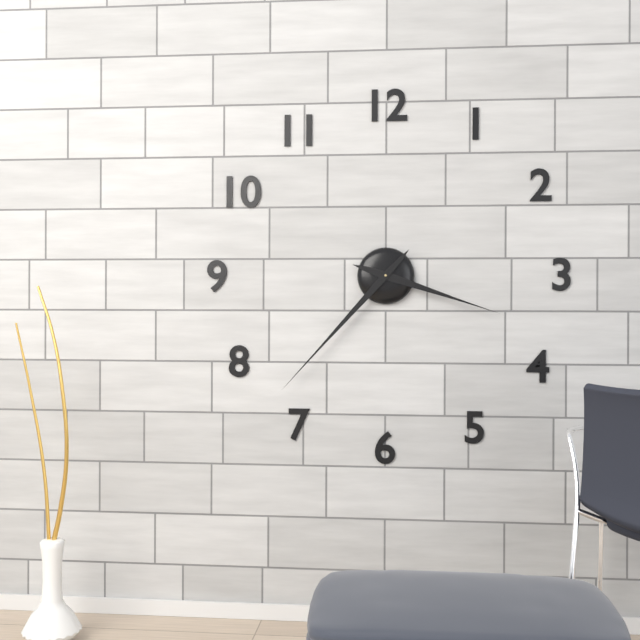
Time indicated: 3:37
